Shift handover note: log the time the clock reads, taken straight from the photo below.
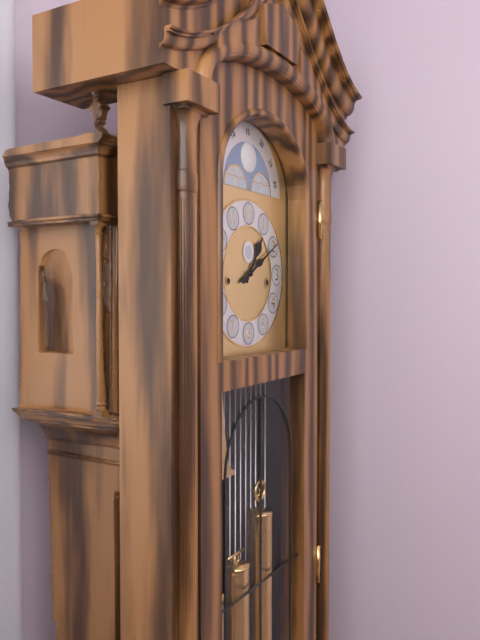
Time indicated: 1:10
